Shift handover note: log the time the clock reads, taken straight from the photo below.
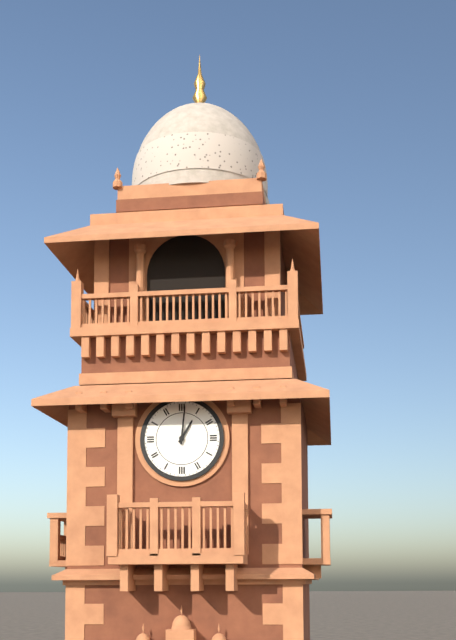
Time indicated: 1:01
